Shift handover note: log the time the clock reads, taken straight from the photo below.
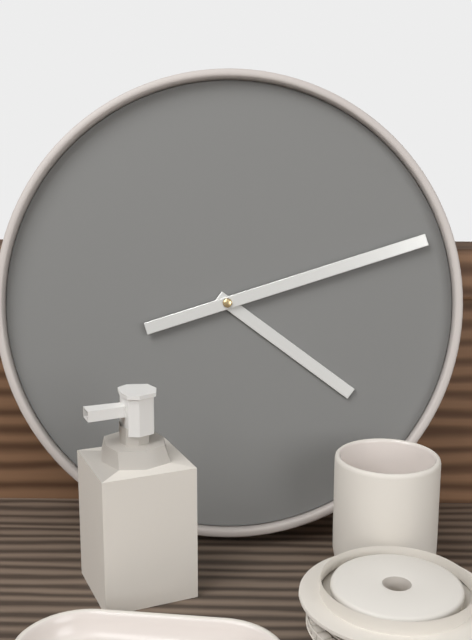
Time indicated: 4:12
